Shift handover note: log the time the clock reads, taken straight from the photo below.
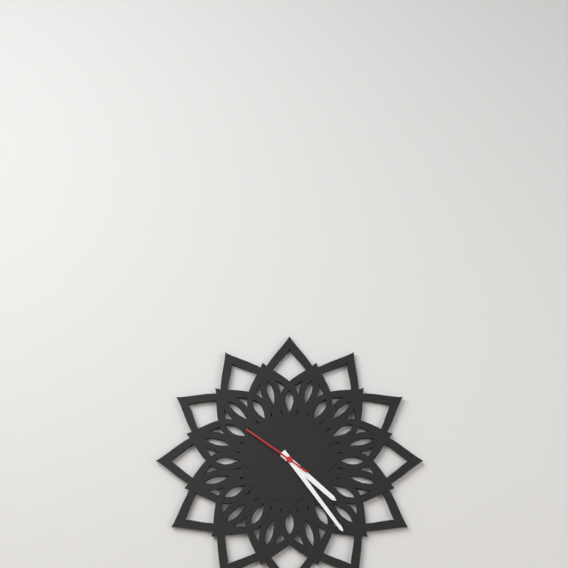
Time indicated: 4:24:51
